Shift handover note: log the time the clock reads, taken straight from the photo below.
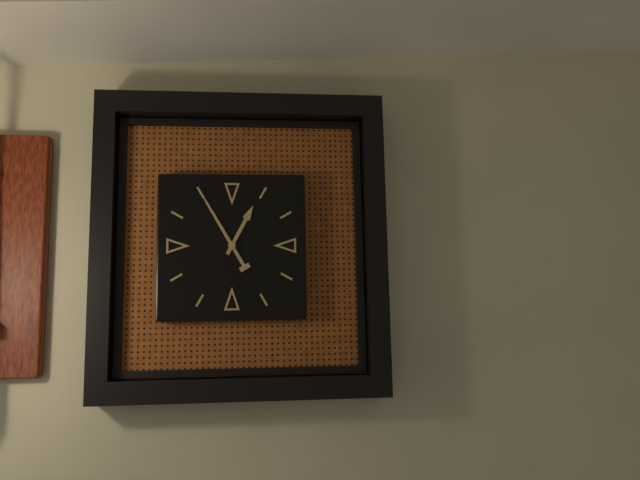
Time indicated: 12:55
